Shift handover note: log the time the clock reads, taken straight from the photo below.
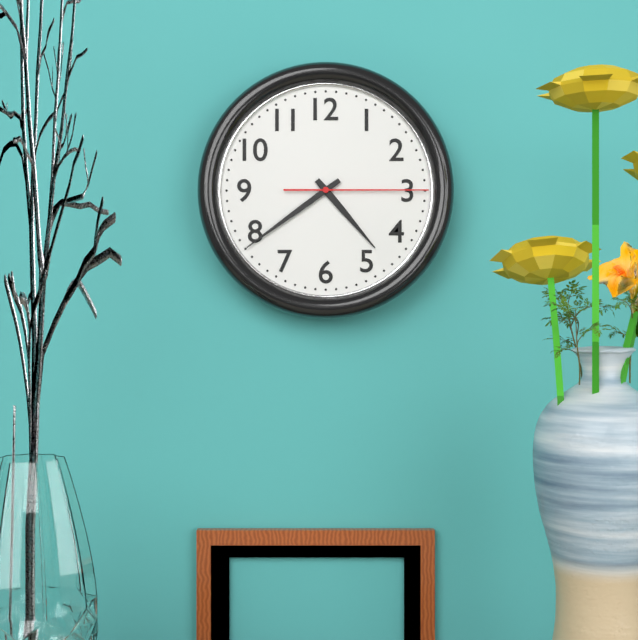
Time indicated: 4:39:15
